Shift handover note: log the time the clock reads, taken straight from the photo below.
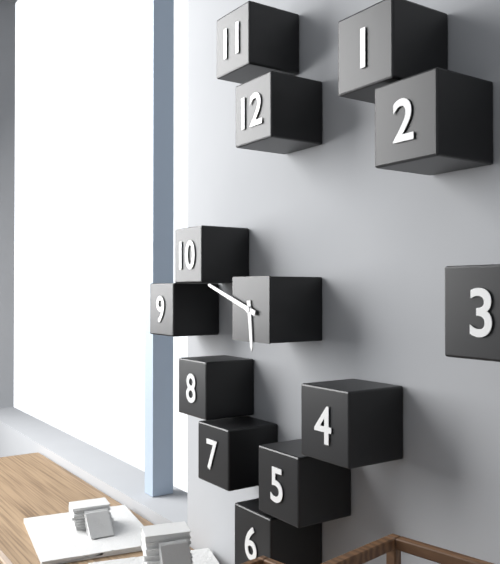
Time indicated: 5:48
